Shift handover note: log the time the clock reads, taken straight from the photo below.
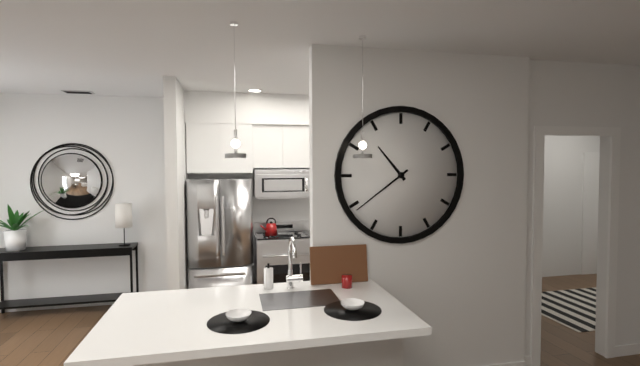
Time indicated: 10:39
